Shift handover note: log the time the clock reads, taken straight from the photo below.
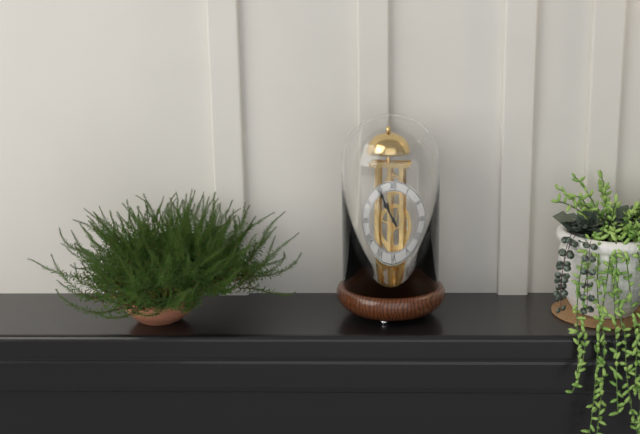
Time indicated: 10:55
